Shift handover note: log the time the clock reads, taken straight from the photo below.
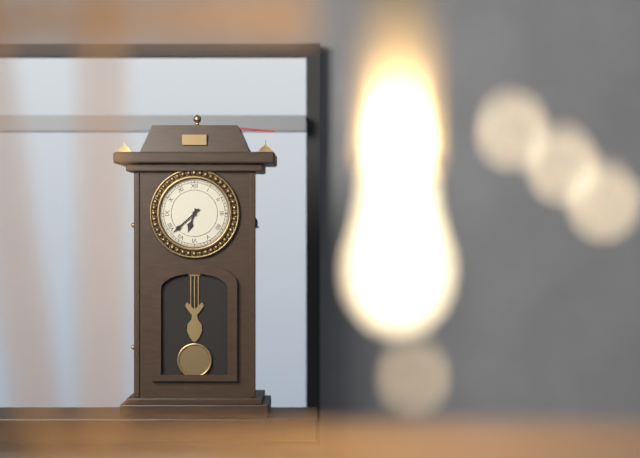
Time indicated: 6:38
